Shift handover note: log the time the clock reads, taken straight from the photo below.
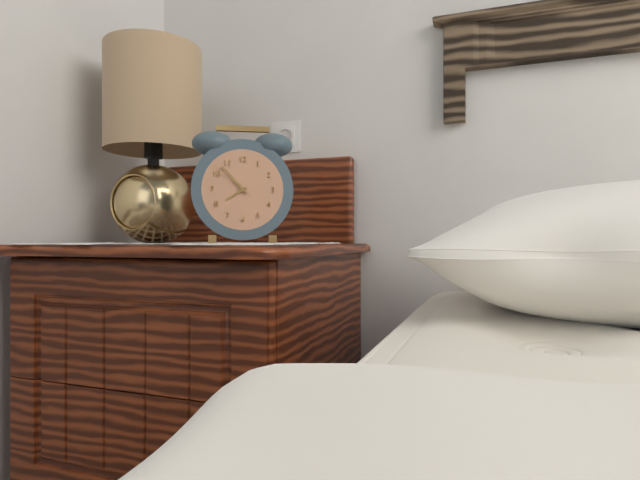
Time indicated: 7:53
